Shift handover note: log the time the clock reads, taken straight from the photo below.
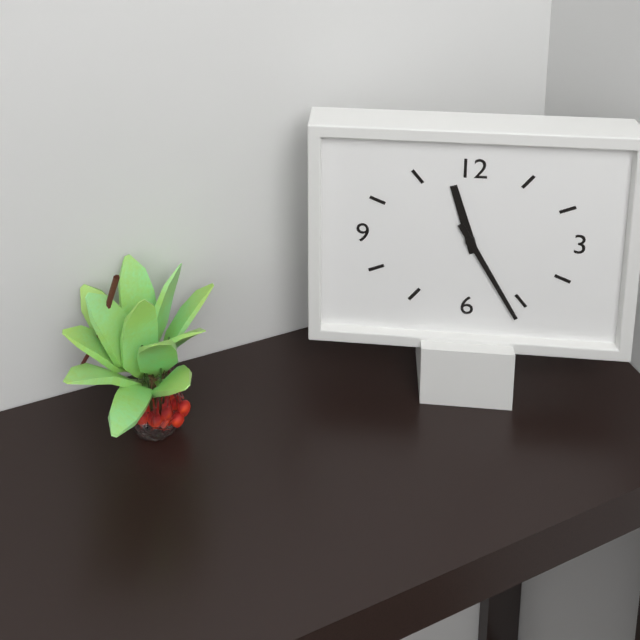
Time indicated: 11:25
